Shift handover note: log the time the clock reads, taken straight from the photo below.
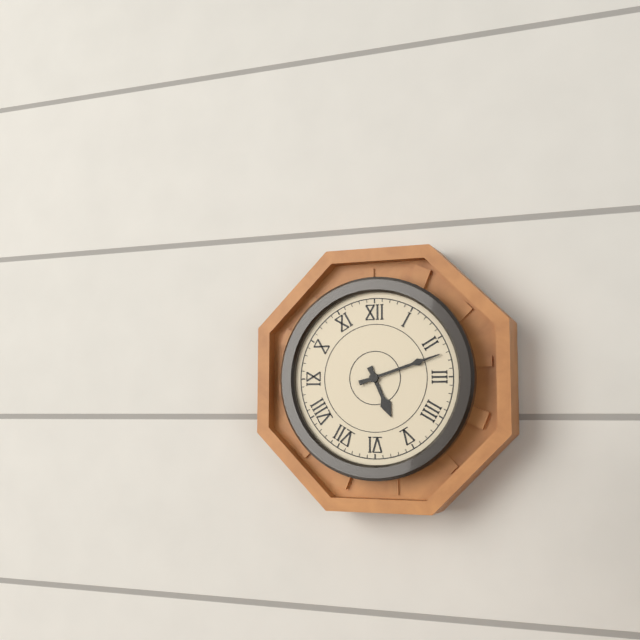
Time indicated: 5:12
